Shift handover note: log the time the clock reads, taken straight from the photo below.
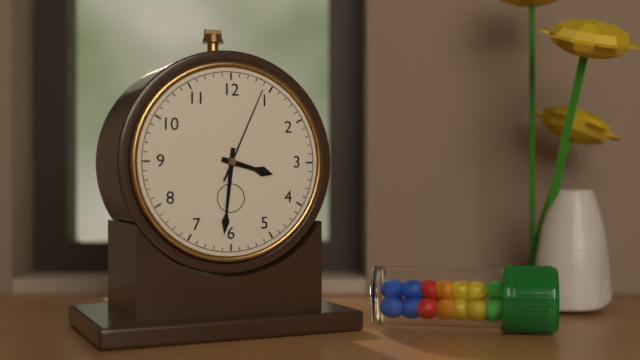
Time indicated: 3:31:04
